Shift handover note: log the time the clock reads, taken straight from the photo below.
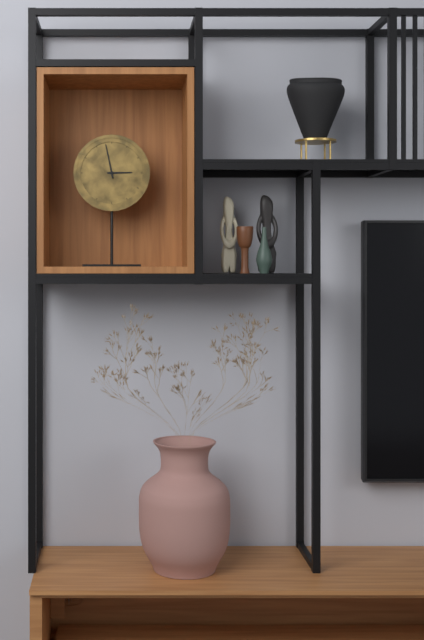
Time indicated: 2:58
